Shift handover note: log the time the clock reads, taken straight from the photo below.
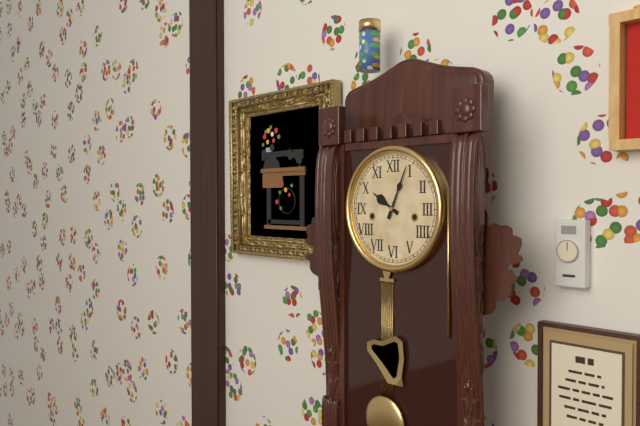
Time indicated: 10:04
